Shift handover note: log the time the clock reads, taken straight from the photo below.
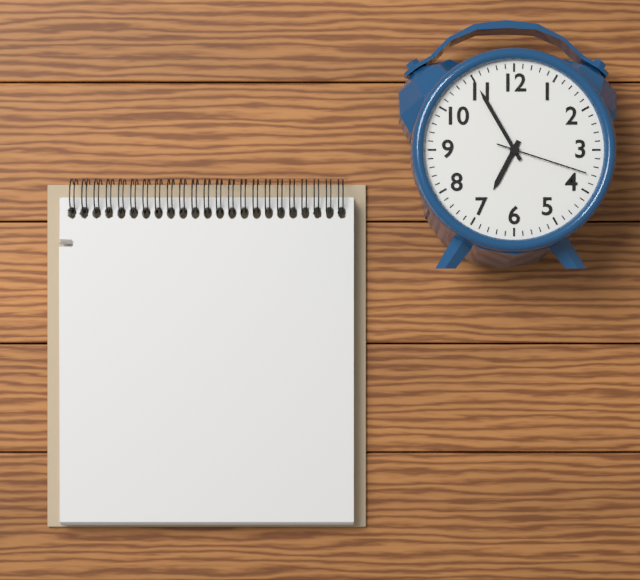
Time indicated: 6:55:18
